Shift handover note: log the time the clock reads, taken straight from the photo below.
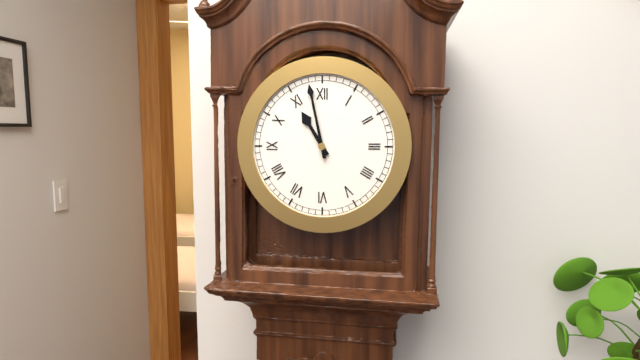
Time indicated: 10:58
